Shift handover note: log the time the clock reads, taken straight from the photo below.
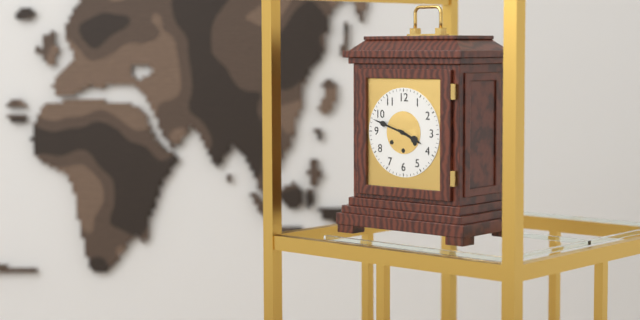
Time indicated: 3:48
